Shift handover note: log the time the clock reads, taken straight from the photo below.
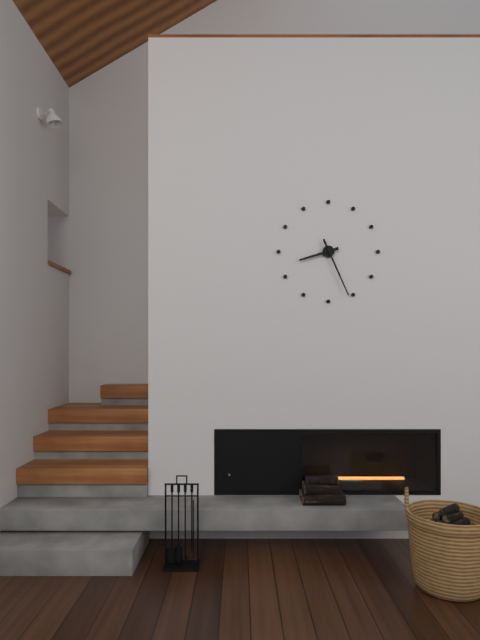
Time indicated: 8:26
